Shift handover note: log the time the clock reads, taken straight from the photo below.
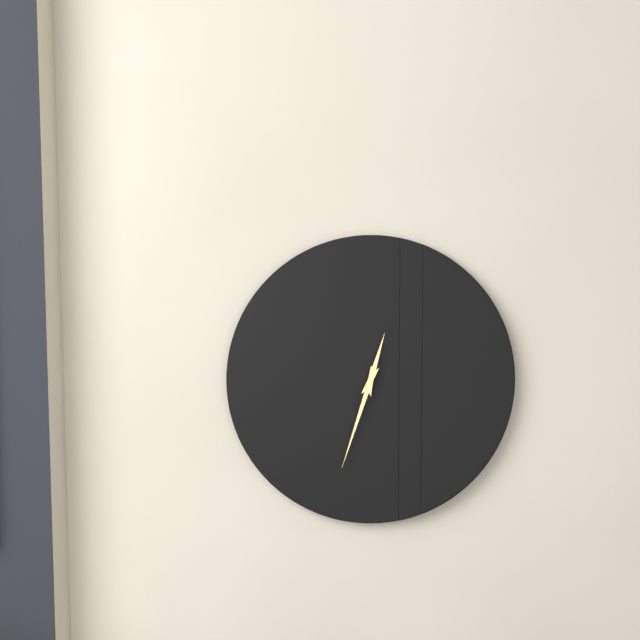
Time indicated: 12:33
